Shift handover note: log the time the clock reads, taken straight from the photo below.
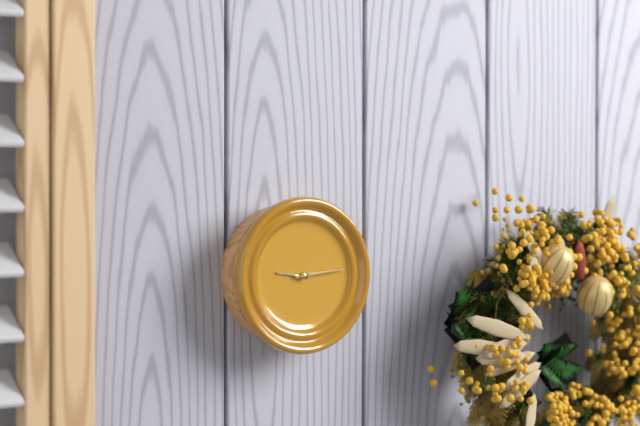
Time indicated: 9:14
